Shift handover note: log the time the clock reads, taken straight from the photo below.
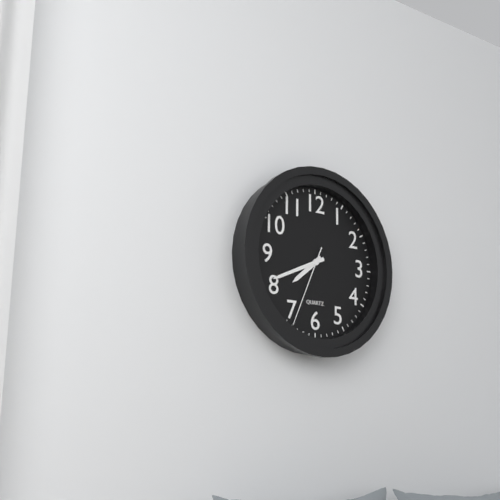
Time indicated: 7:41:34
